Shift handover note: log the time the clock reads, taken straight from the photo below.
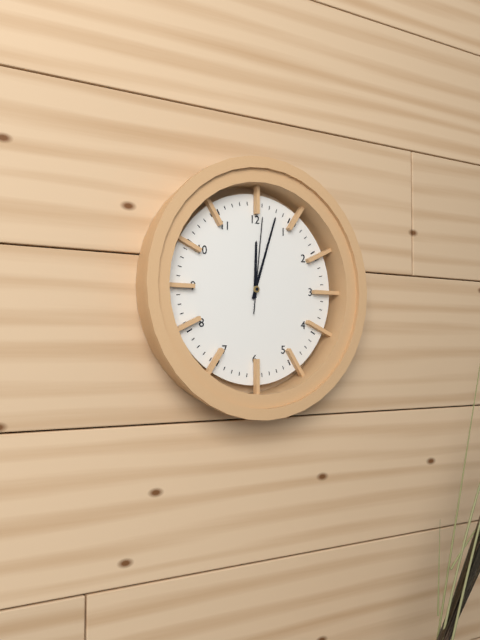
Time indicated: 12:03:01
